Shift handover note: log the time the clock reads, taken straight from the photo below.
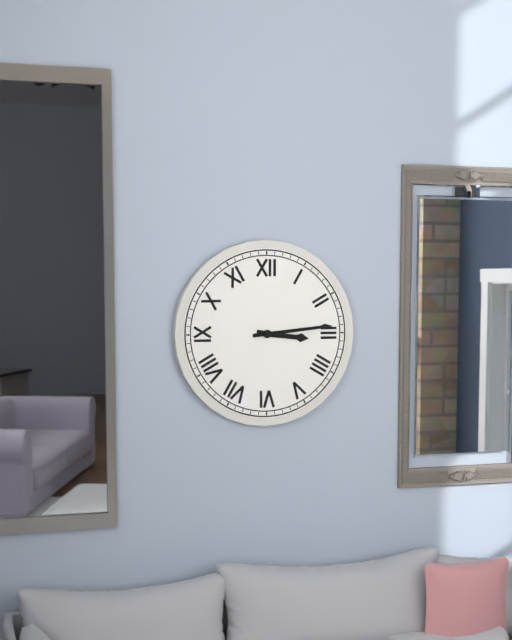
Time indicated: 3:14
